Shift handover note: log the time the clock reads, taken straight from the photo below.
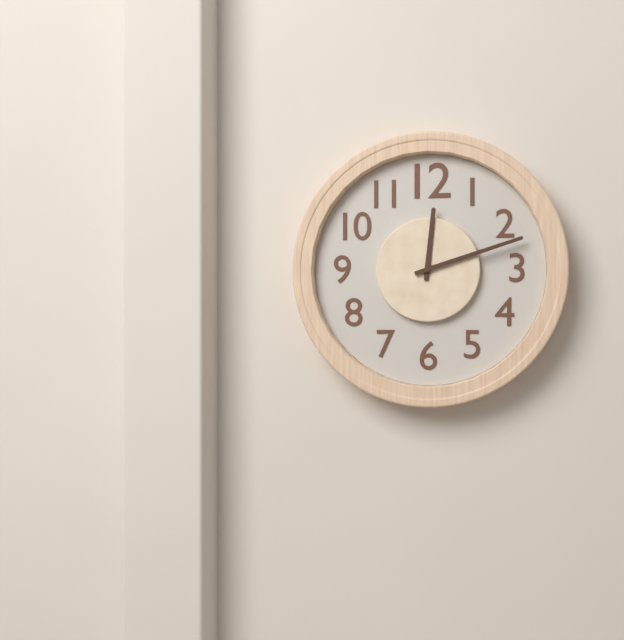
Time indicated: 12:12
